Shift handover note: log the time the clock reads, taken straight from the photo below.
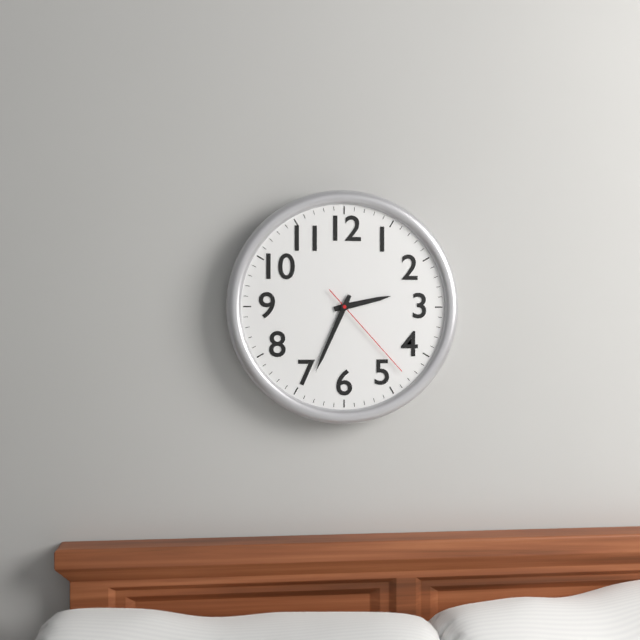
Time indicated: 2:34:23
